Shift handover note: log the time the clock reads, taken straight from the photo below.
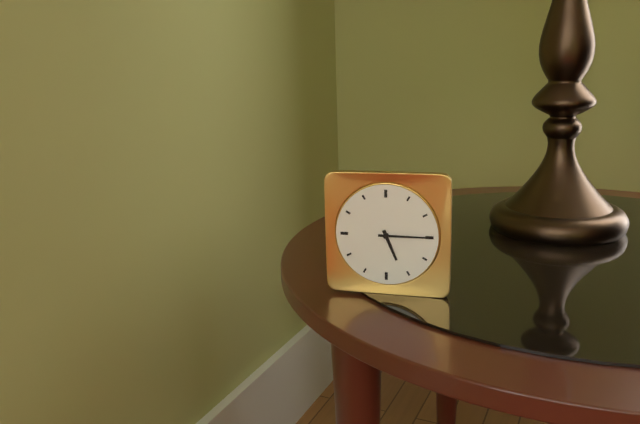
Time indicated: 5:15
